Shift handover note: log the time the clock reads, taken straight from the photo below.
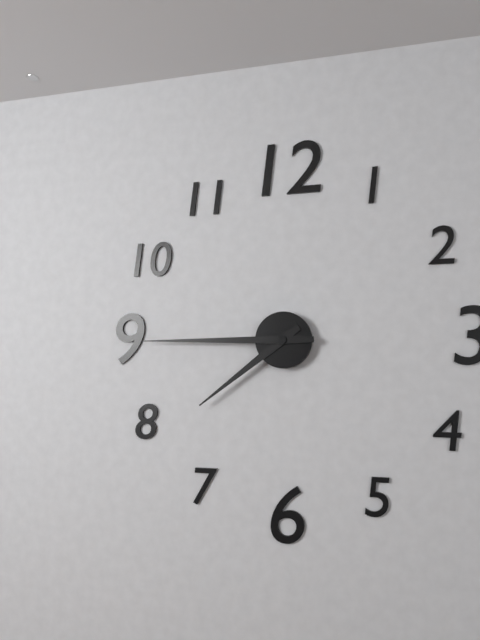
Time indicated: 7:45
